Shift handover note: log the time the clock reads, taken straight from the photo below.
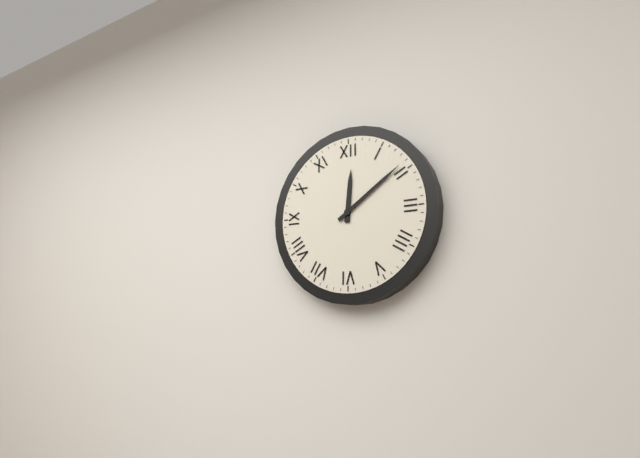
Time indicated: 12:09
